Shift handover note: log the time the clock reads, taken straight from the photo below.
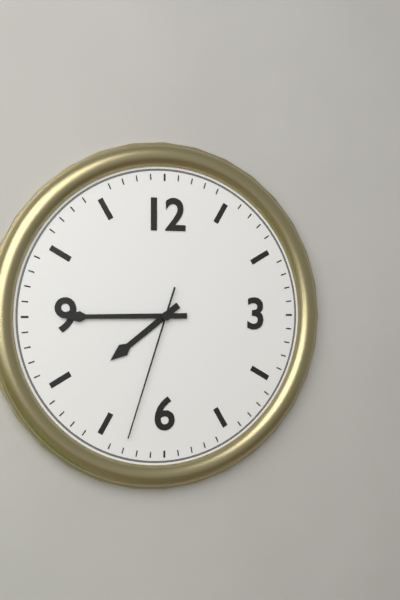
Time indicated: 7:45:33
